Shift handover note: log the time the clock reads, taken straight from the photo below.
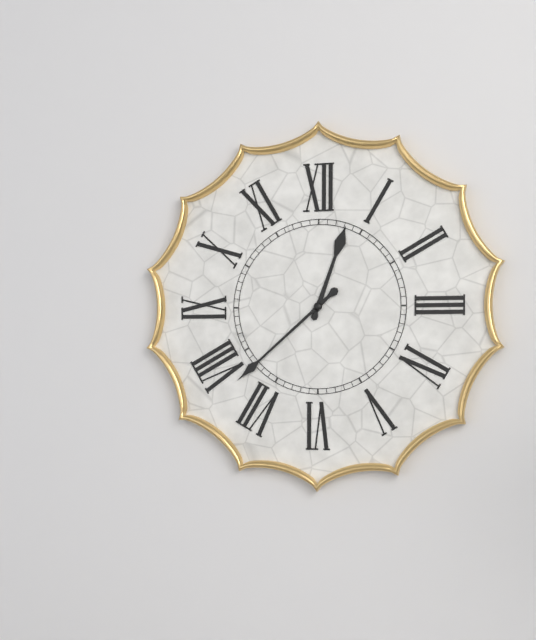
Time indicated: 12:38
